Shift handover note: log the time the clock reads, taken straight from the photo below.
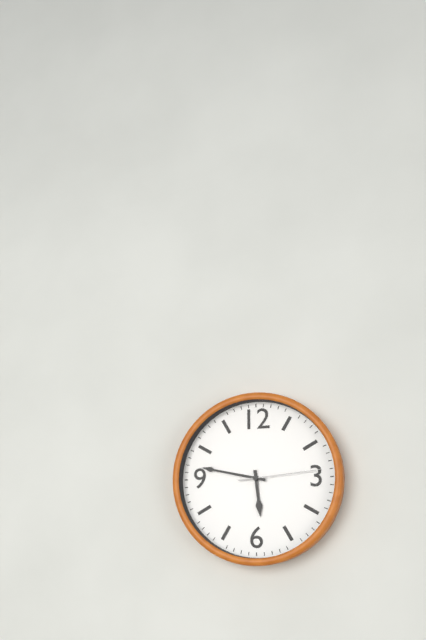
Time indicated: 5:47:14
